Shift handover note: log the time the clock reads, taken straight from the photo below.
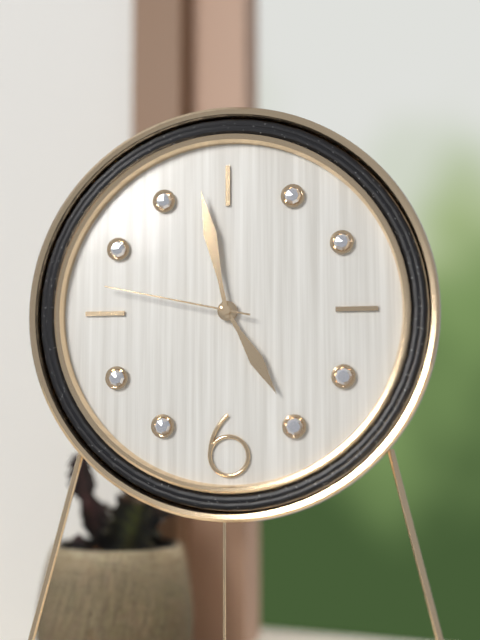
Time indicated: 4:58:47
